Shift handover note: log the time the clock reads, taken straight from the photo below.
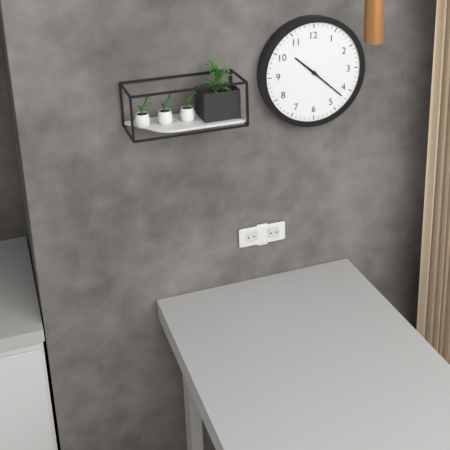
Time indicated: 10:22
